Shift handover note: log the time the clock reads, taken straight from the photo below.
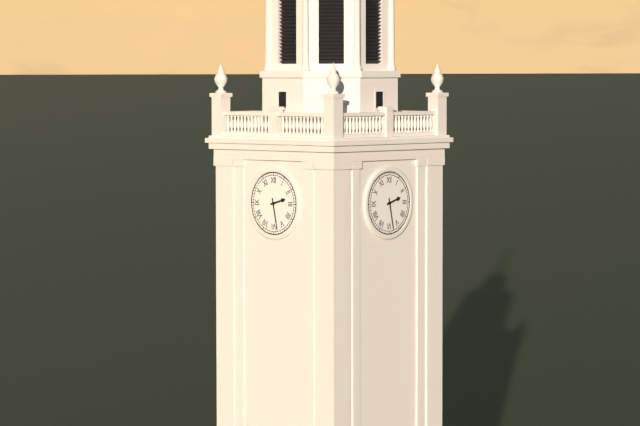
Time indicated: 2:28
